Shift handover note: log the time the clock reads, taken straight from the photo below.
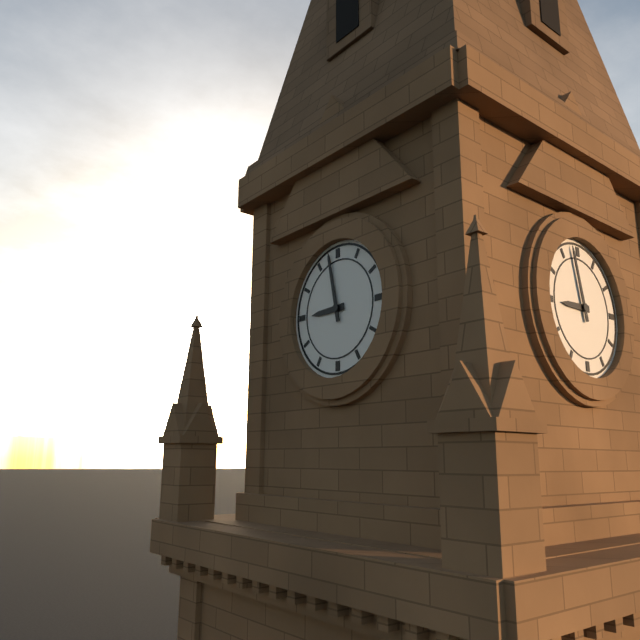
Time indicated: 8:58
